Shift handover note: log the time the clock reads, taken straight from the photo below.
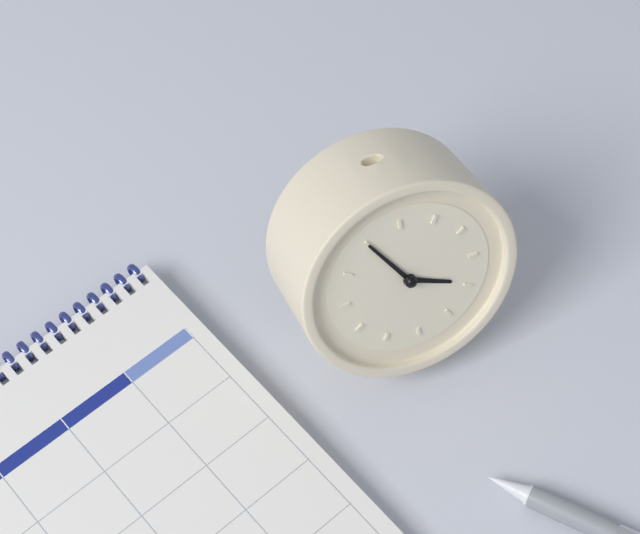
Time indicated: 3:55
